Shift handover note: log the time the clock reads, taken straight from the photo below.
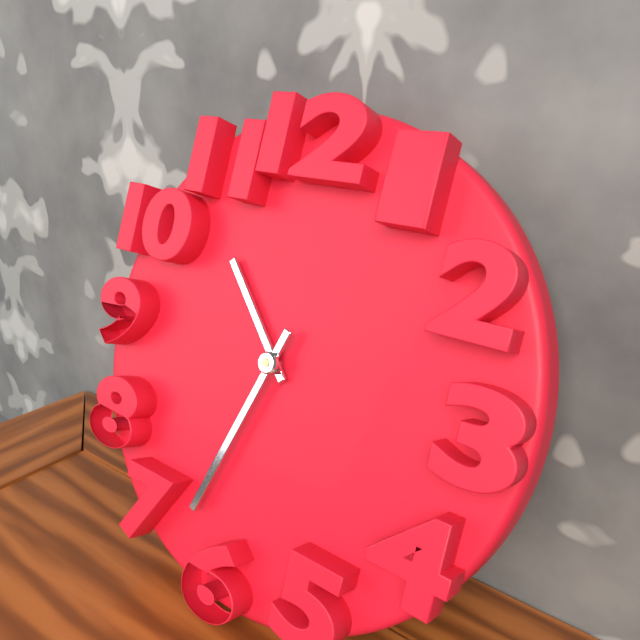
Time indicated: 10:33
